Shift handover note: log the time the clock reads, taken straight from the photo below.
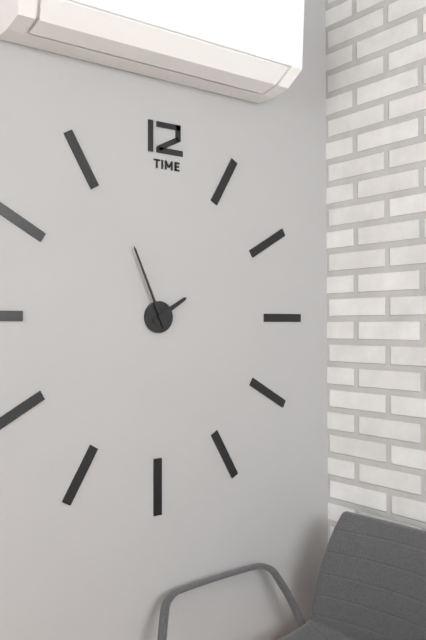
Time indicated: 1:56
